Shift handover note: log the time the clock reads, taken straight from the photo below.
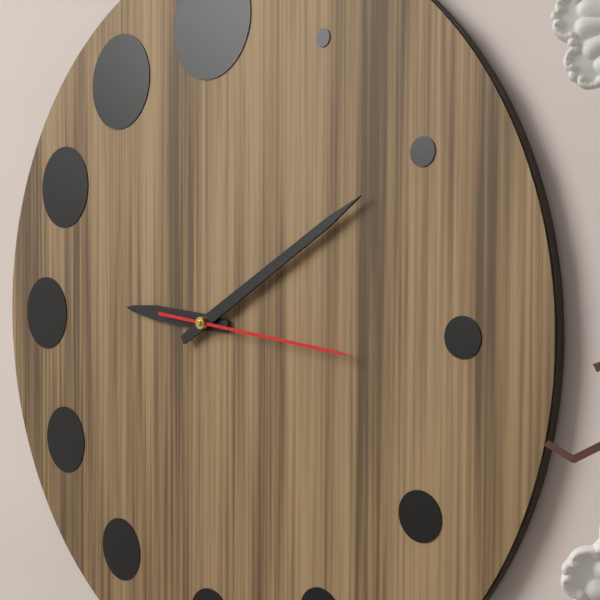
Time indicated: 9:10:16
